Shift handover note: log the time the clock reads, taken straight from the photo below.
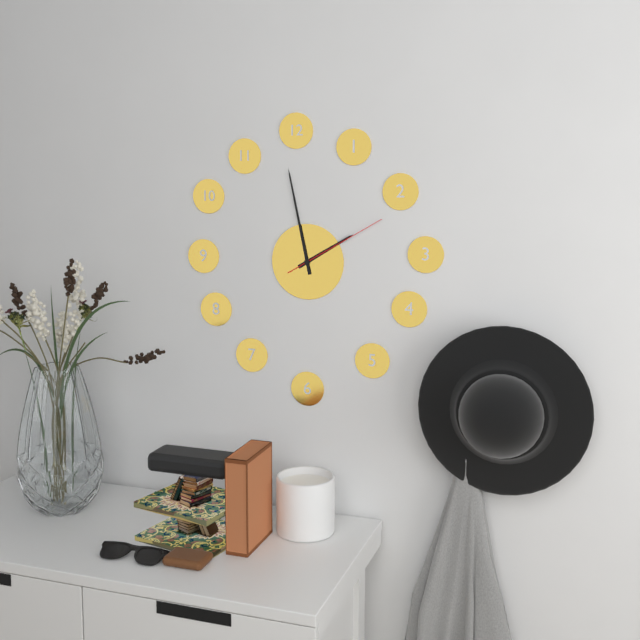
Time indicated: 1:58:10
